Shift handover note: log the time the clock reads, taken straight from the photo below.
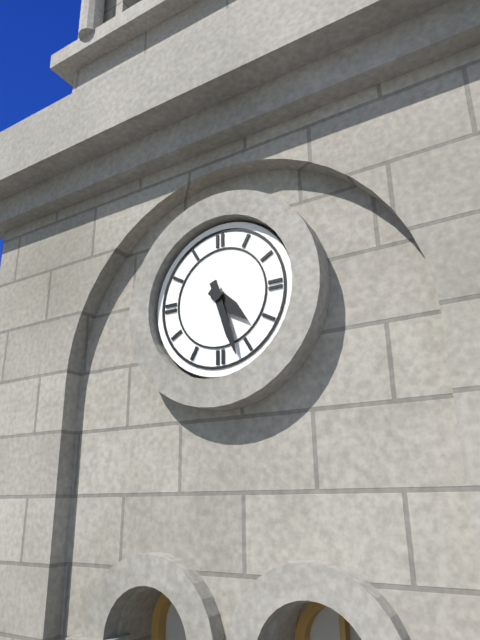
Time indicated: 4:27
